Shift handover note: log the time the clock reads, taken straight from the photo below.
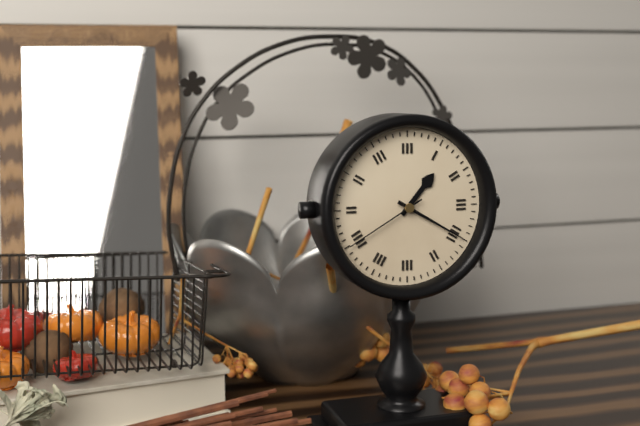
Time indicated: 1:20:40
